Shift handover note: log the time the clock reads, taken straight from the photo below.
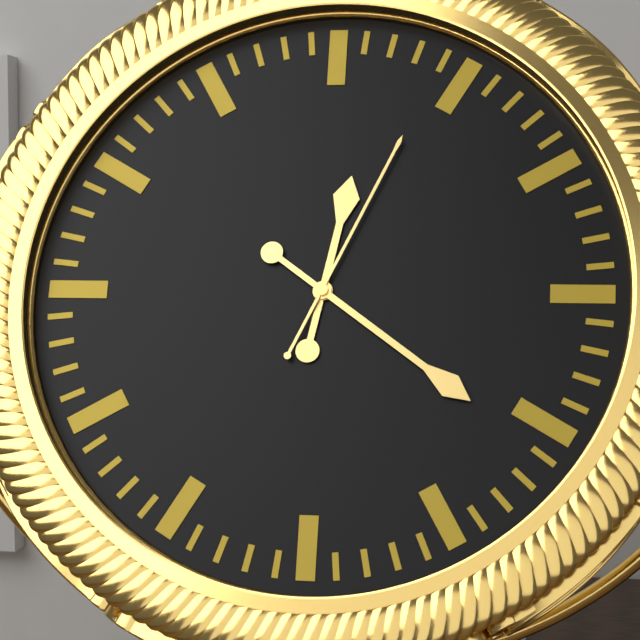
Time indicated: 12:21:04
